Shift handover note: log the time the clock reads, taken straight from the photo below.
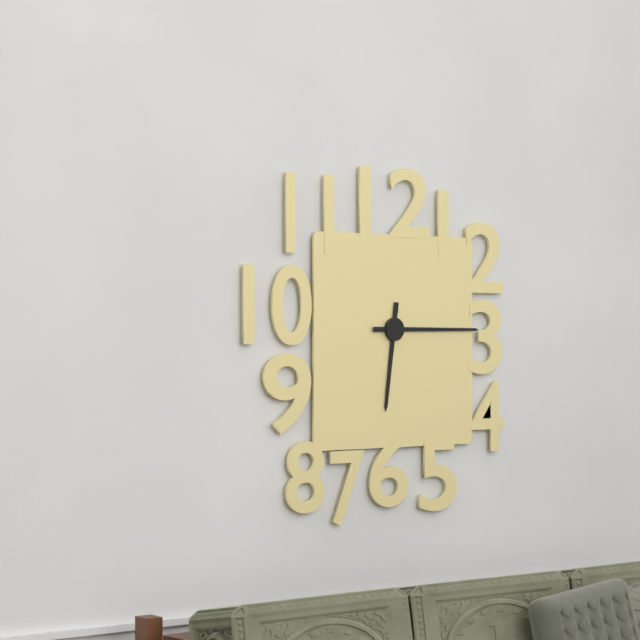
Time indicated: 6:15
